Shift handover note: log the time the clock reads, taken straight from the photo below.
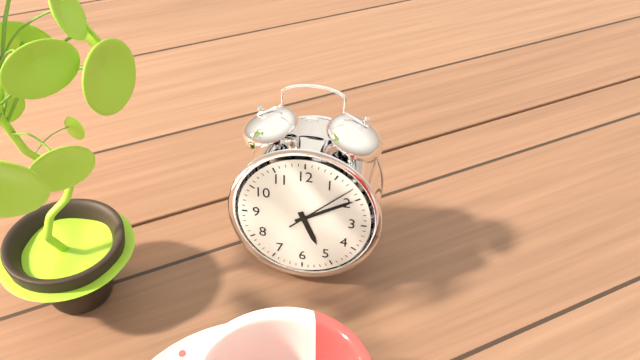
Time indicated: 5:10:08
